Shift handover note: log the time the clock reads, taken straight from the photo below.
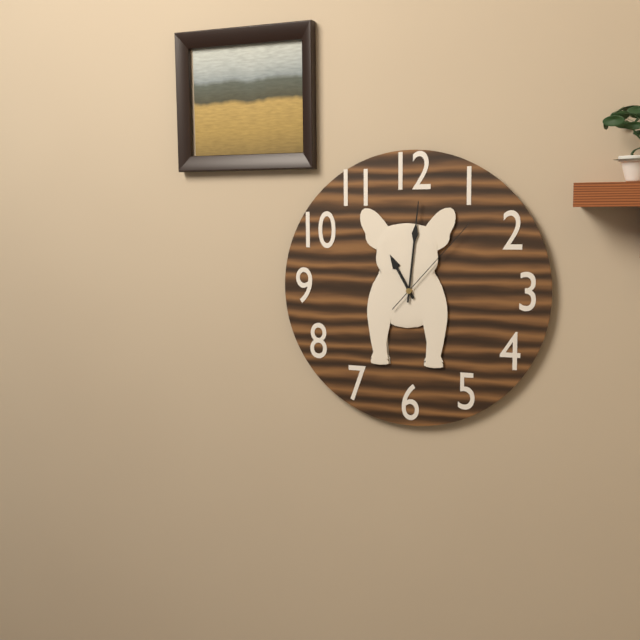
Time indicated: 11:01:07
